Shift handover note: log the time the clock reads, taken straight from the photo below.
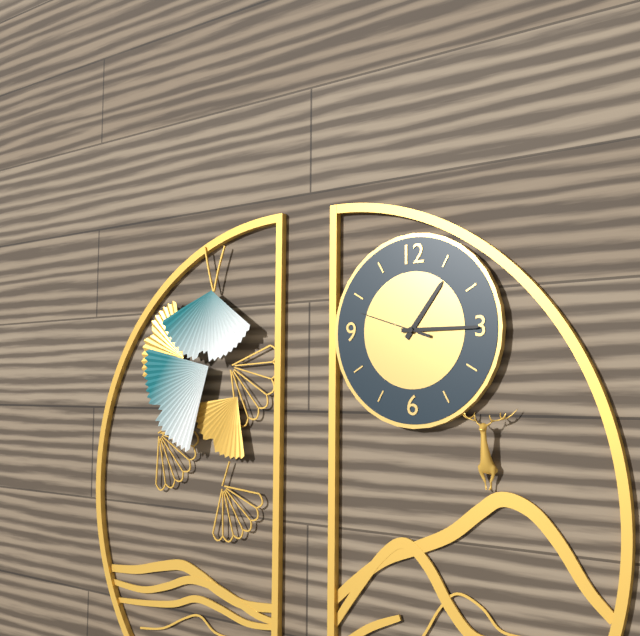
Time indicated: 1:15:48
